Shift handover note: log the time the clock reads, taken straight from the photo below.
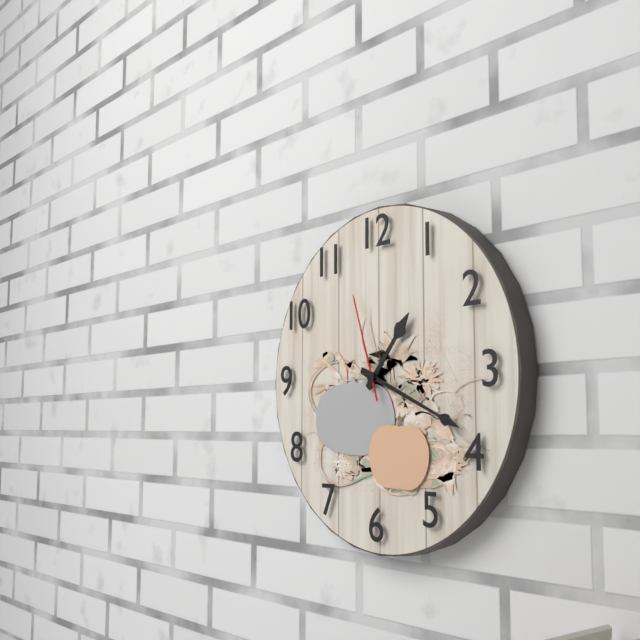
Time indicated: 1:19:57
